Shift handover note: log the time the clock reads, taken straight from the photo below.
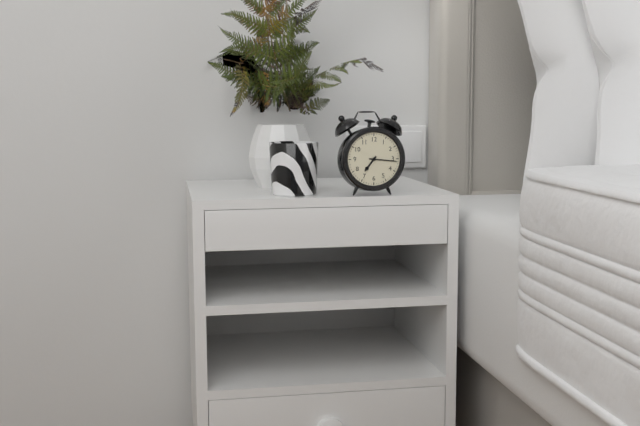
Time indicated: 7:16
